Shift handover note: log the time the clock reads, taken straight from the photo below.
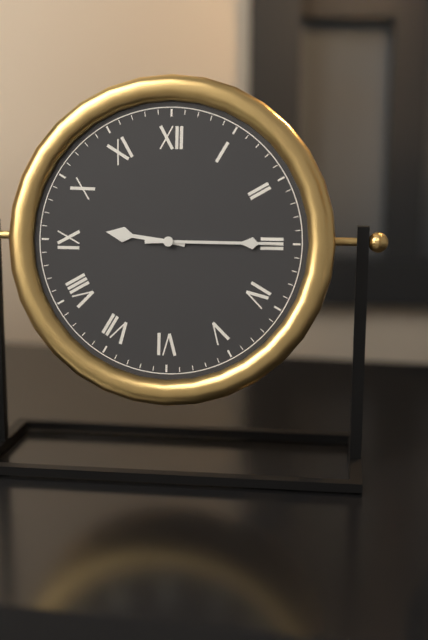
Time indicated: 9:15
